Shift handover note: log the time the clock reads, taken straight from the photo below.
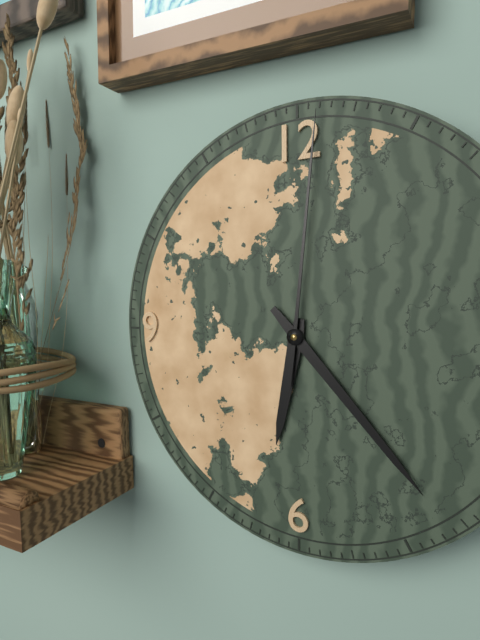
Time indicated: 6:23:01
